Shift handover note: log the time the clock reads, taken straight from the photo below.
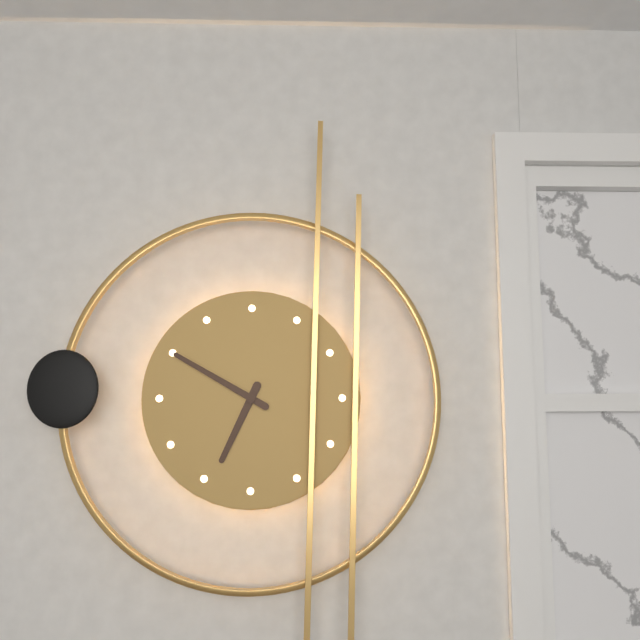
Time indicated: 6:50
